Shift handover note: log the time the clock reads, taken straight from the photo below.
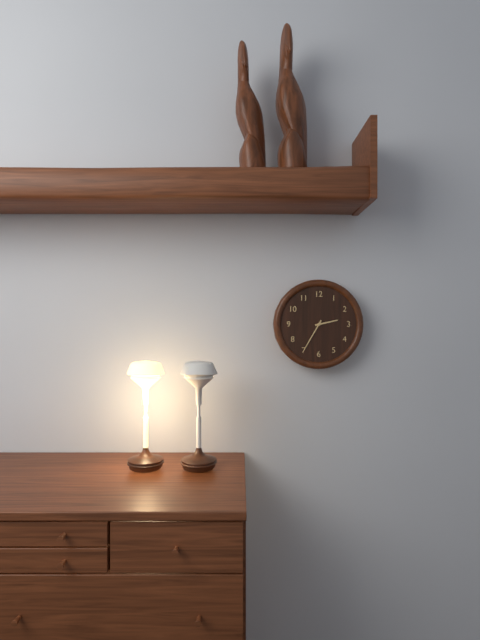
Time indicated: 2:35
